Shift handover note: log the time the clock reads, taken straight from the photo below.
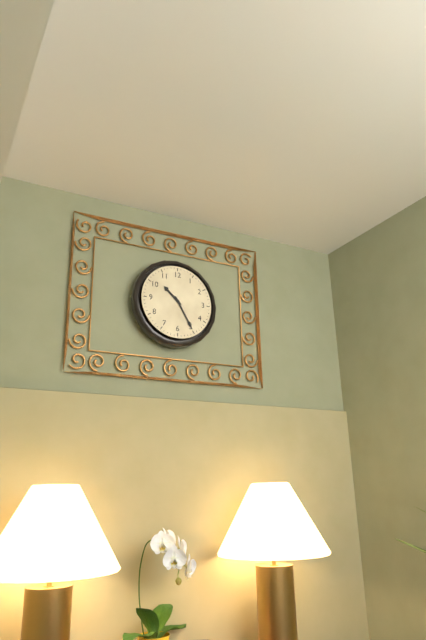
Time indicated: 10:25
